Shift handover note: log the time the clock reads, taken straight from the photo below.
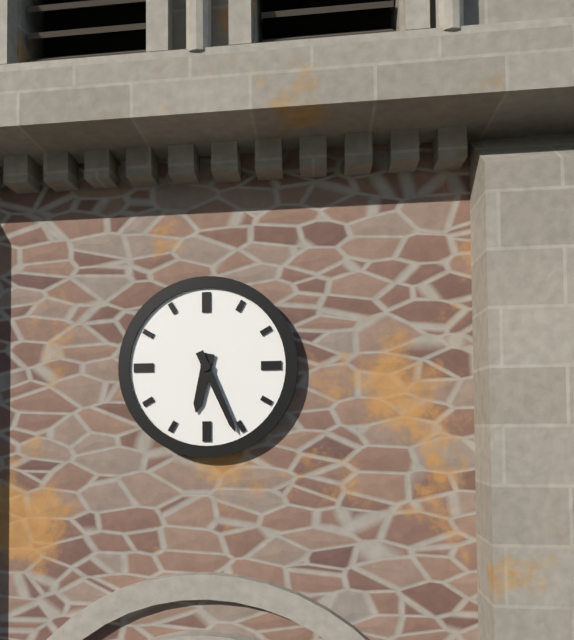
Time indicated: 6:26
